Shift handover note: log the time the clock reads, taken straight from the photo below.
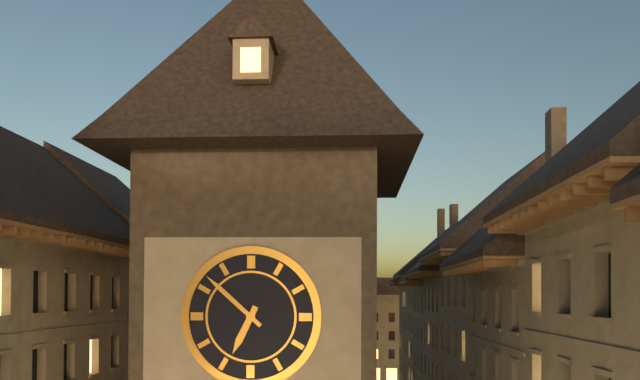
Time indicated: 6:52
